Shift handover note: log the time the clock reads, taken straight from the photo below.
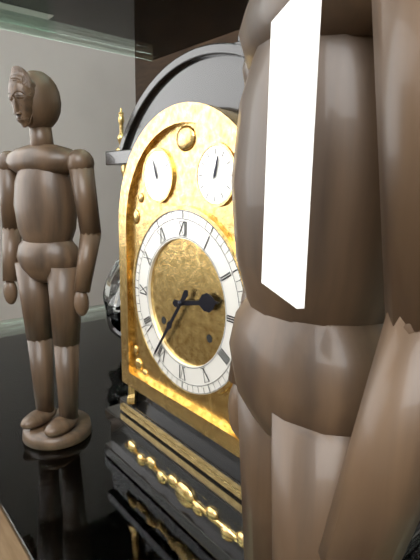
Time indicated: 2:36
